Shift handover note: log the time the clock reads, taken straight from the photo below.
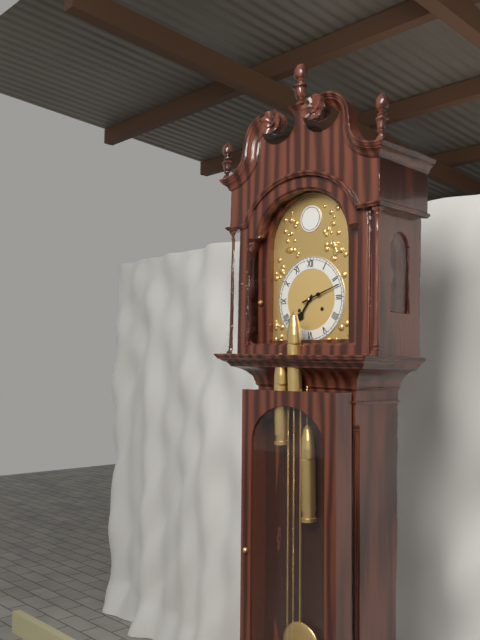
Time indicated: 7:12
